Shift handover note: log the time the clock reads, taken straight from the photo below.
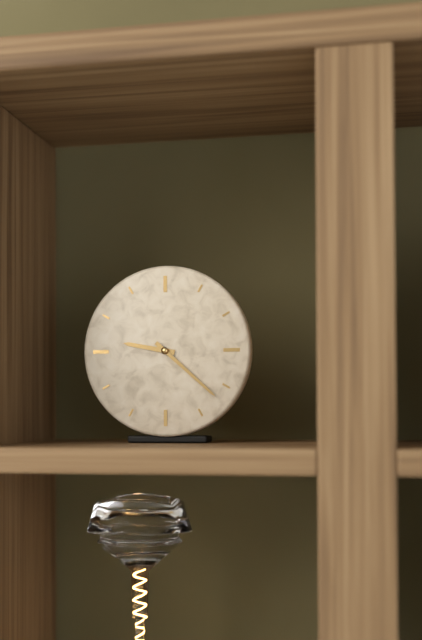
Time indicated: 9:22
